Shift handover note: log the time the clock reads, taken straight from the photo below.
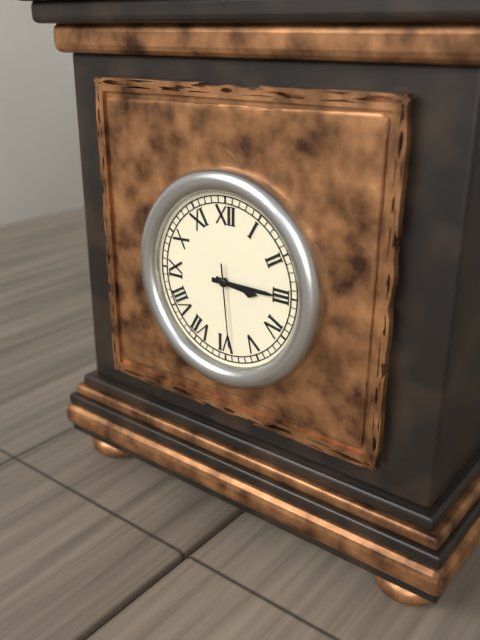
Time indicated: 3:15:29
